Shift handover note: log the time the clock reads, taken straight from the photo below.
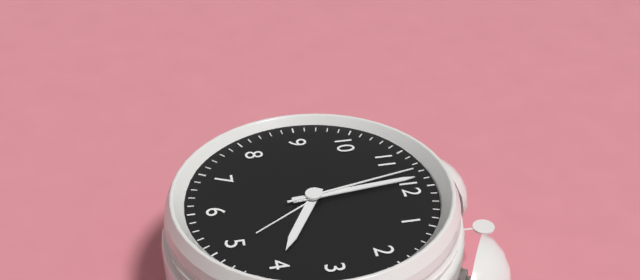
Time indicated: 3:59:58
